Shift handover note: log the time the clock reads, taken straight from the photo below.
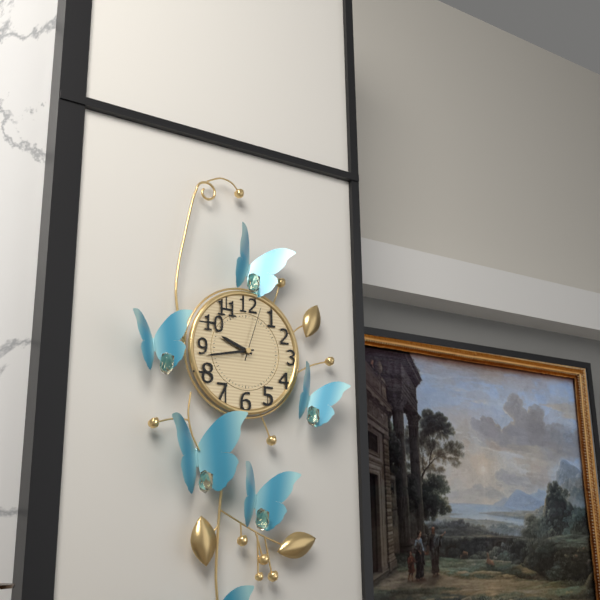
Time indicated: 9:43:03
